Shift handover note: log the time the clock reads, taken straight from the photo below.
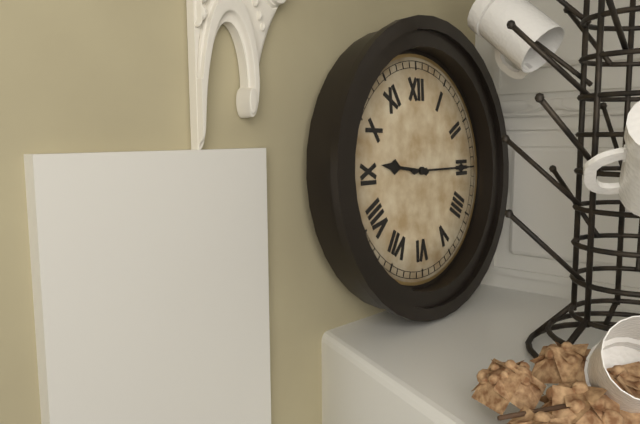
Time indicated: 9:15
